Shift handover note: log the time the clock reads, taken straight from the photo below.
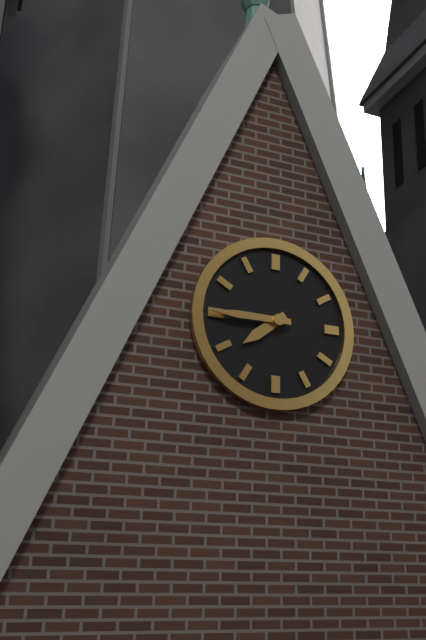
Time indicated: 7:45
